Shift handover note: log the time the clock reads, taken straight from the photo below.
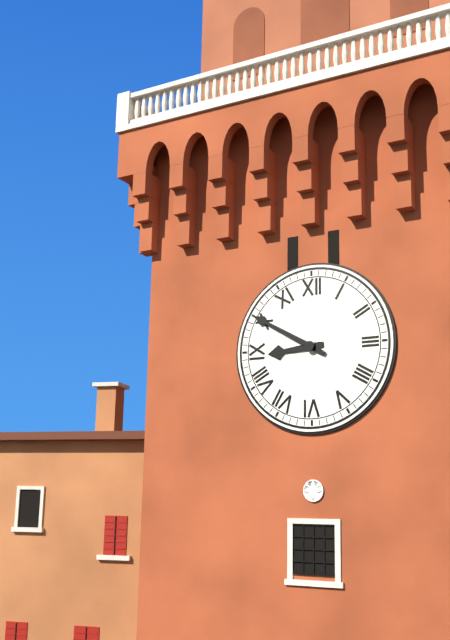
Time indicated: 8:50
